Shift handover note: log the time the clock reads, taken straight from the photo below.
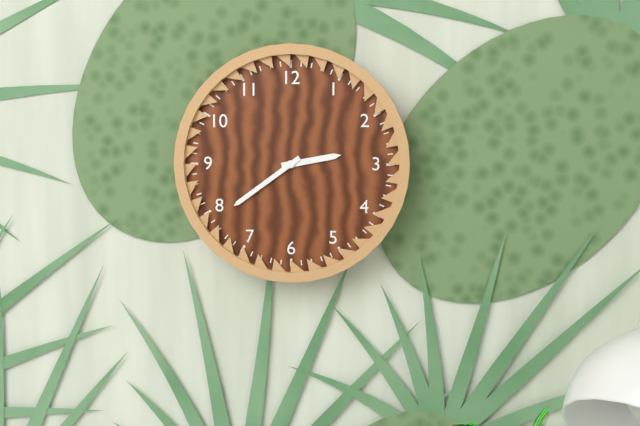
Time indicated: 2:39
